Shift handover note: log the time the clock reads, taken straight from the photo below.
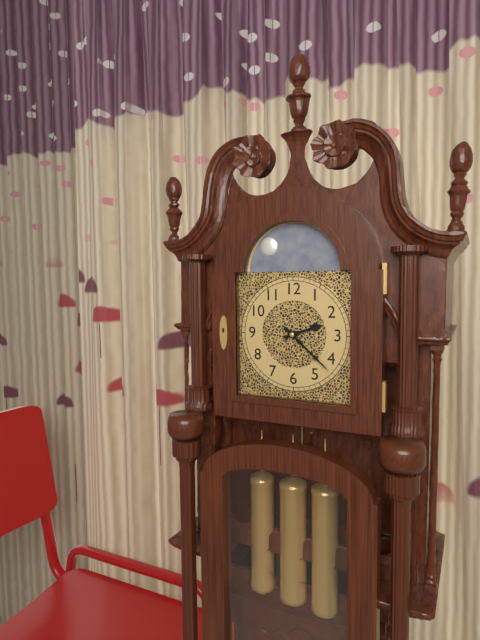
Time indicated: 2:22
